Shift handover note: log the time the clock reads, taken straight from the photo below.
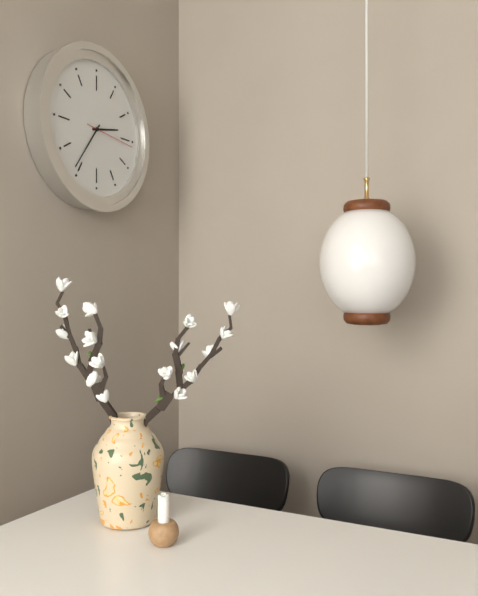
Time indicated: 2:36
